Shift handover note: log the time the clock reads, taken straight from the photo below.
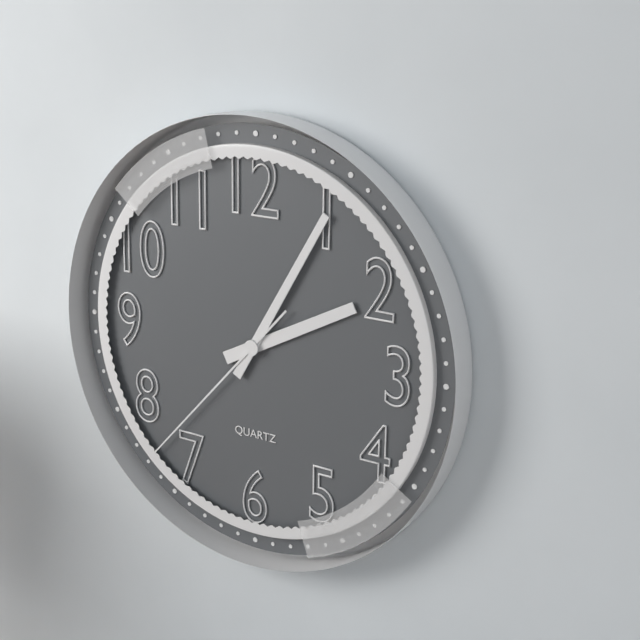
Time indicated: 2:05:37
